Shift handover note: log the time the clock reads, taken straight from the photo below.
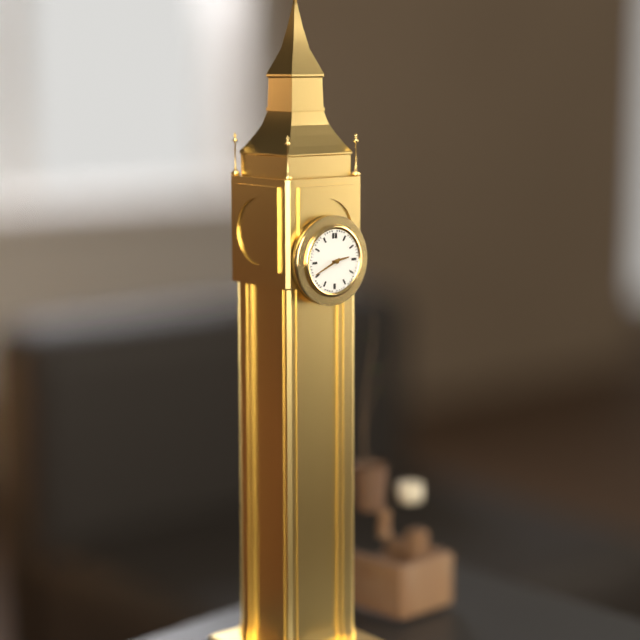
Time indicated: 2:41
